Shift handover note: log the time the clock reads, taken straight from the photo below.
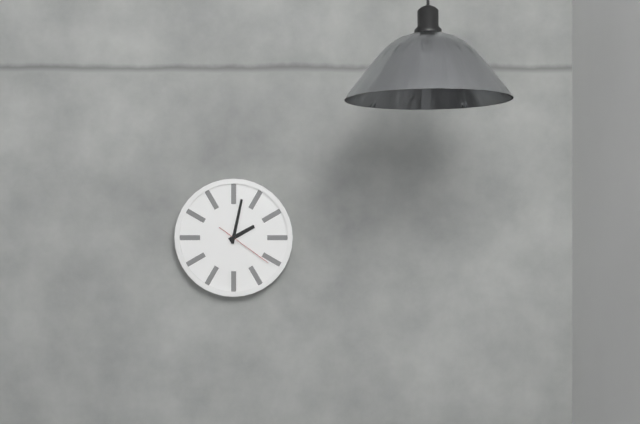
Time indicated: 2:02:21
